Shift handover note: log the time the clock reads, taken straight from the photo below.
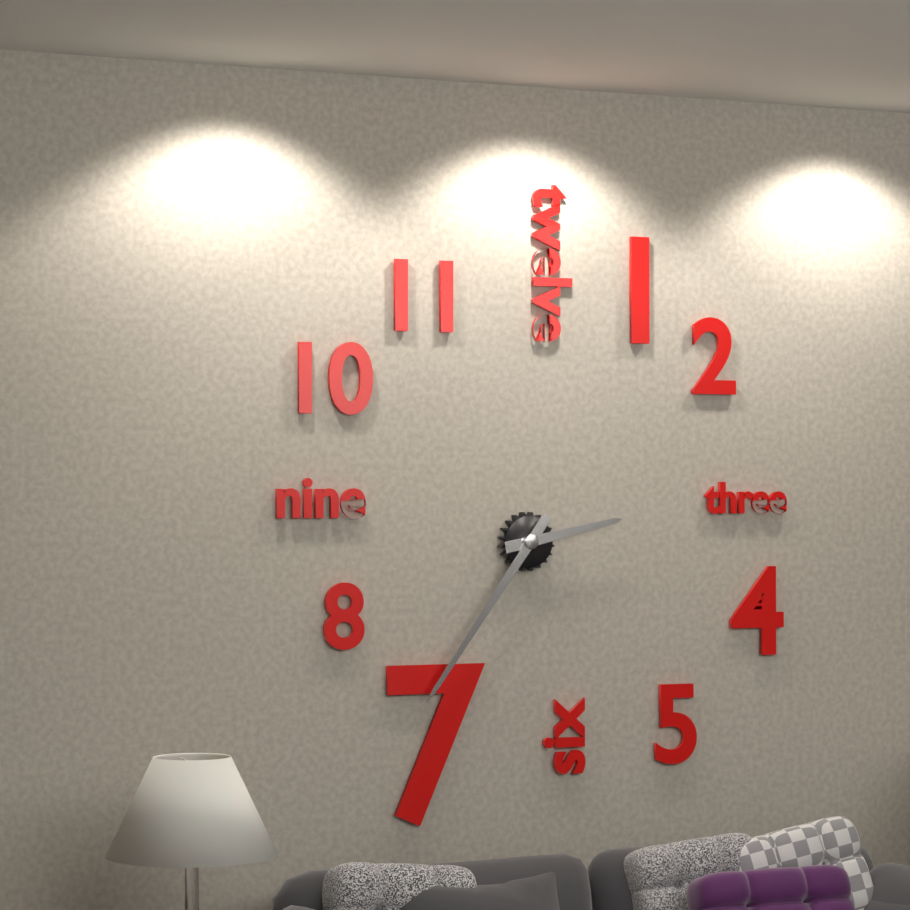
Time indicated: 2:36
